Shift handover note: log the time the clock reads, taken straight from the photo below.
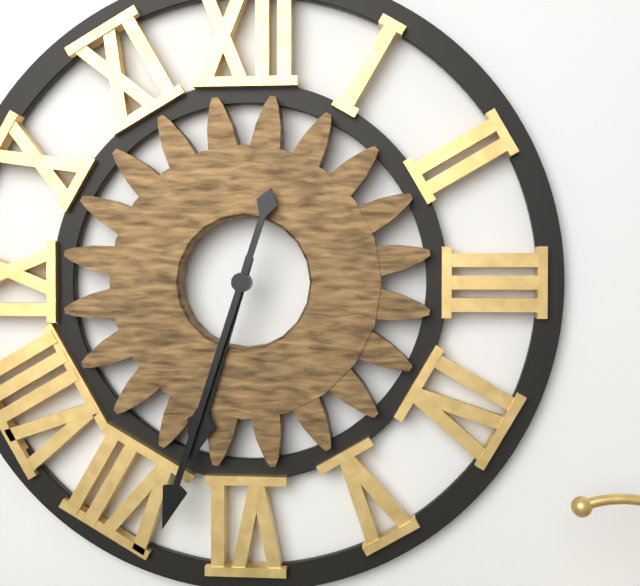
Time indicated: 6:33
